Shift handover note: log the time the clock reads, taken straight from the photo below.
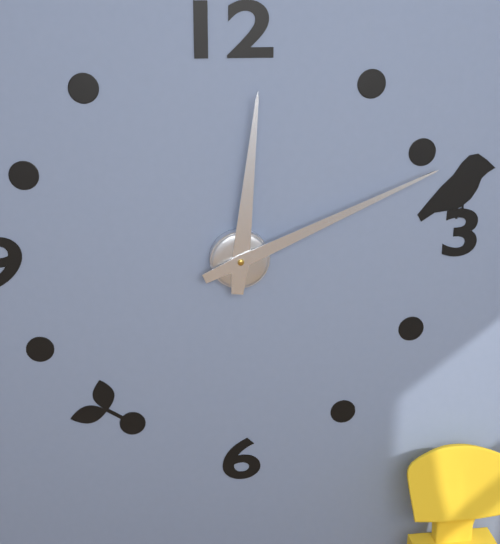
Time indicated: 12:11
